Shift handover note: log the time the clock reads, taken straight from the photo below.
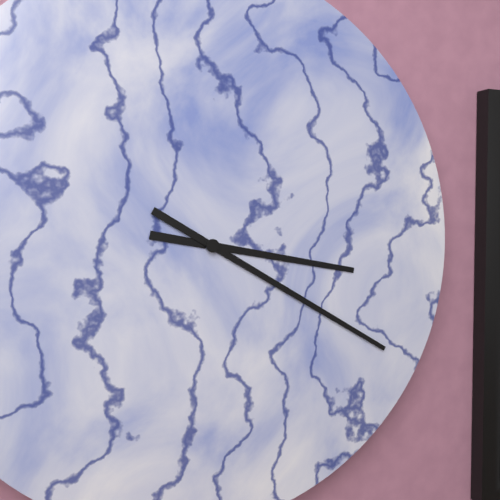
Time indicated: 3:20
